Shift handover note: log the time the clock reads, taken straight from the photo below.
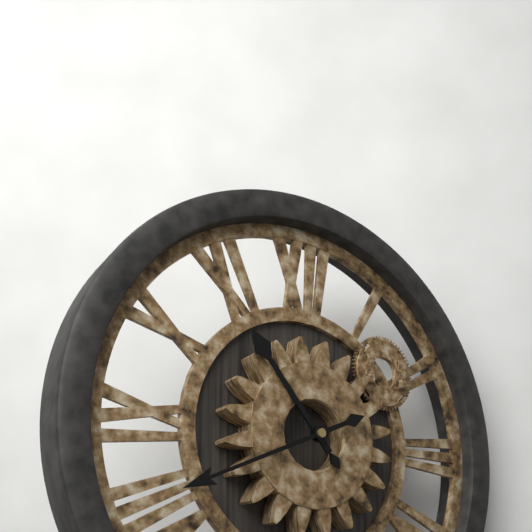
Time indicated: 10:41
